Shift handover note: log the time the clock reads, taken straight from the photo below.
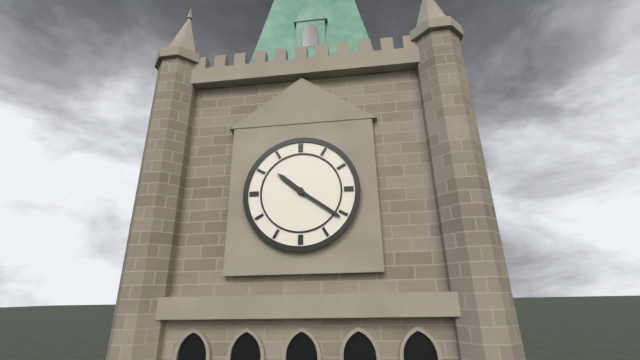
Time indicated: 10:21
